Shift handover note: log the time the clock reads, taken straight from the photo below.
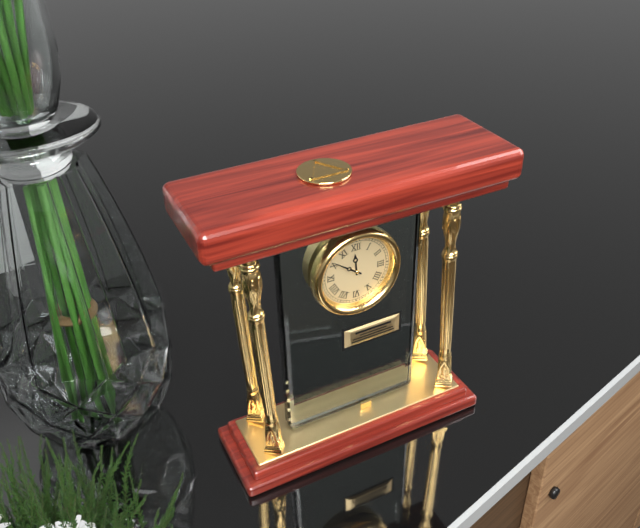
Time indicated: 11:51
